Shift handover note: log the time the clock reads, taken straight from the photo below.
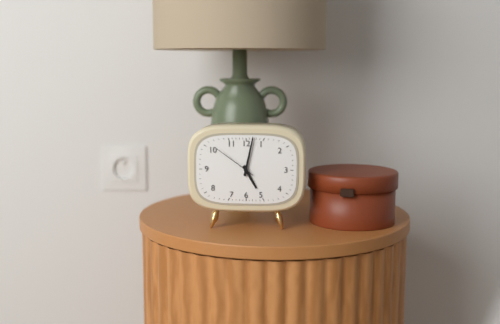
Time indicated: 5:02
